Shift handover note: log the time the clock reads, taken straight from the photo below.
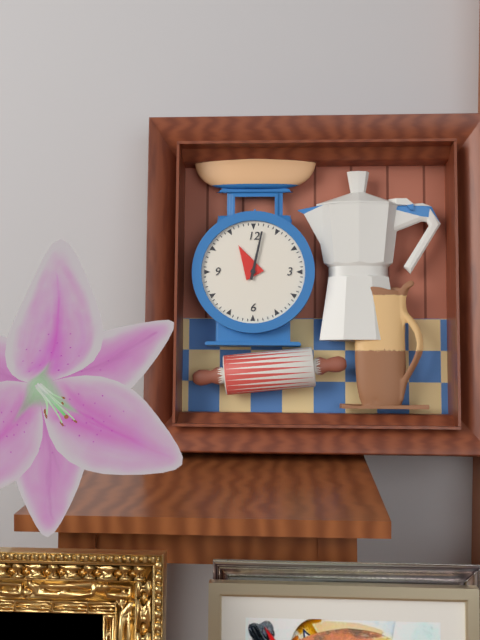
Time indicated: 11:02
